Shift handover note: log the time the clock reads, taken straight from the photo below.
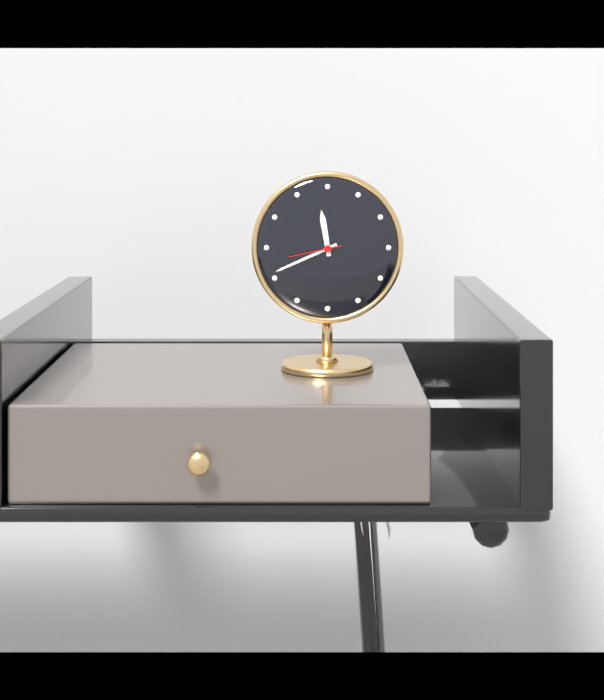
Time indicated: 11:41
